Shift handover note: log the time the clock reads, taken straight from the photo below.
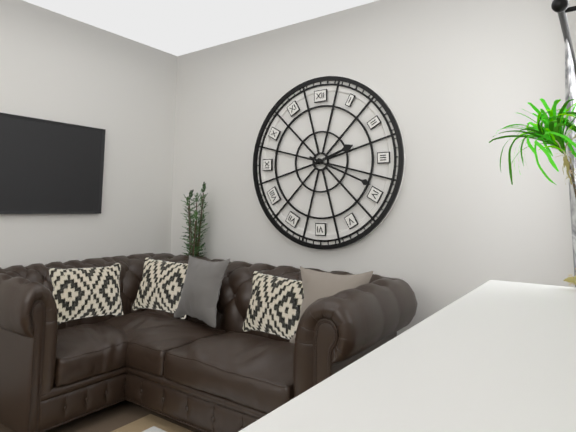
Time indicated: 2:19
